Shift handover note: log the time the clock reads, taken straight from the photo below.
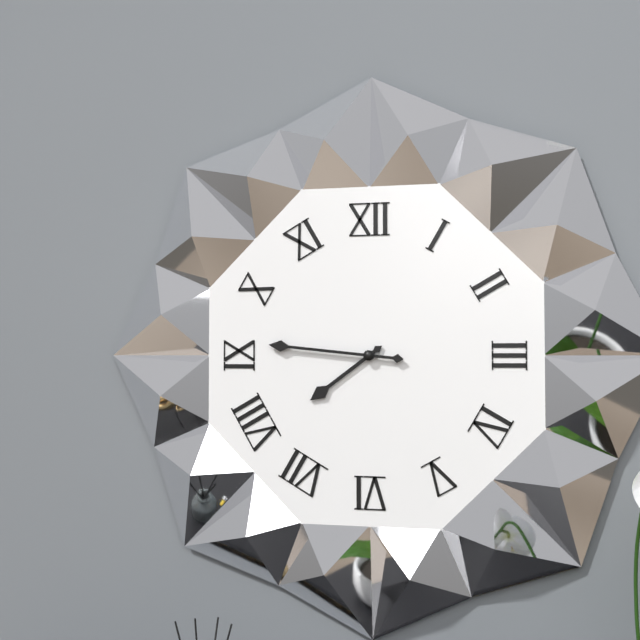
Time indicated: 7:46
